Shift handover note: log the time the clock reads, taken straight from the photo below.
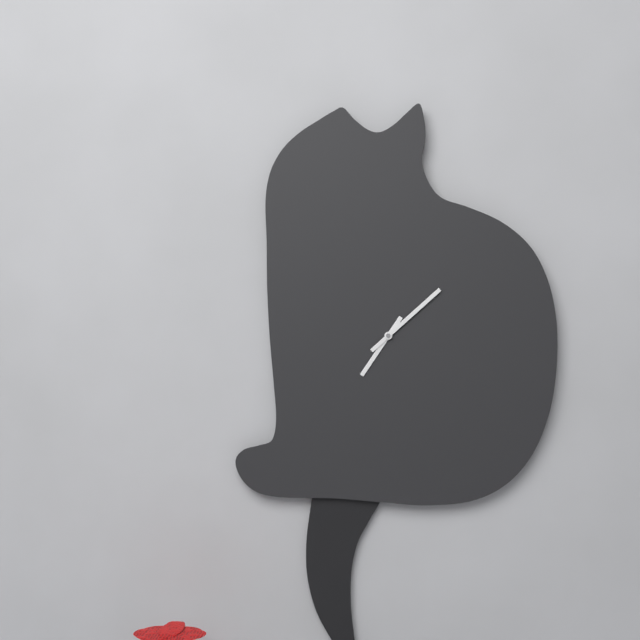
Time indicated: 7:08
